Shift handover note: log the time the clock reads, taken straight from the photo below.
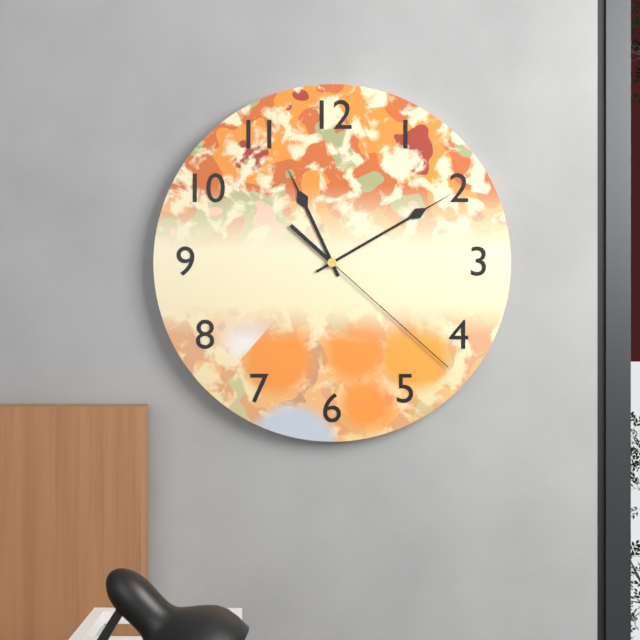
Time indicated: 11:10:22
